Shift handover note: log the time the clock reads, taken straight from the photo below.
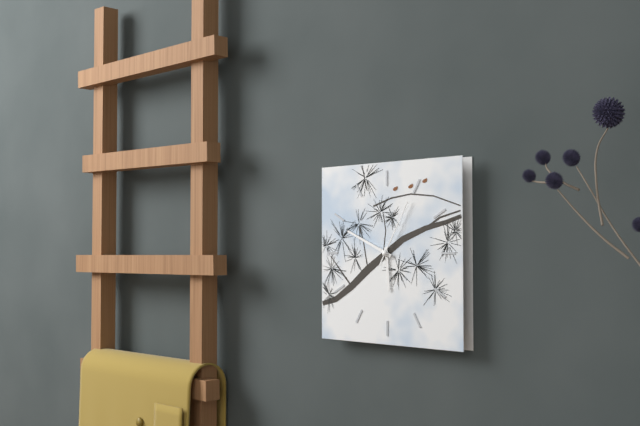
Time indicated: 5:49:05
